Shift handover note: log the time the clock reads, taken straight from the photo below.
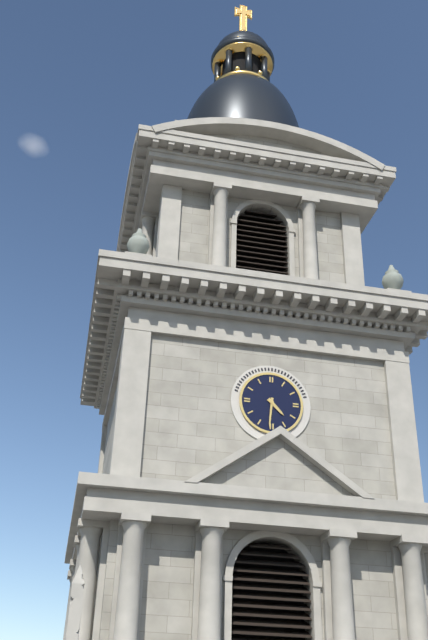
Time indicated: 4:31
